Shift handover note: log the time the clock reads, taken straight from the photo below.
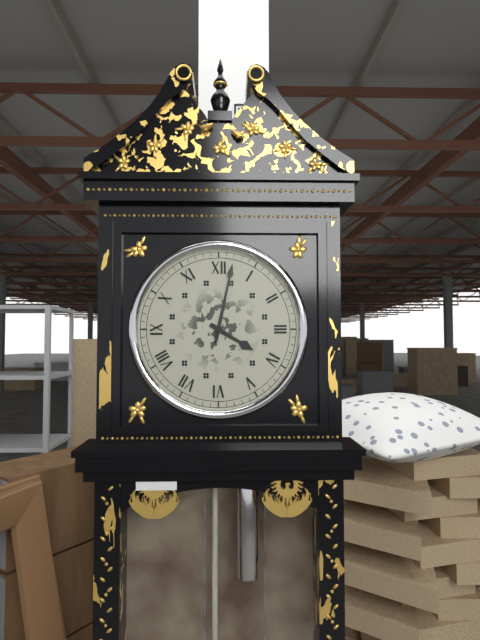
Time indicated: 4:02
